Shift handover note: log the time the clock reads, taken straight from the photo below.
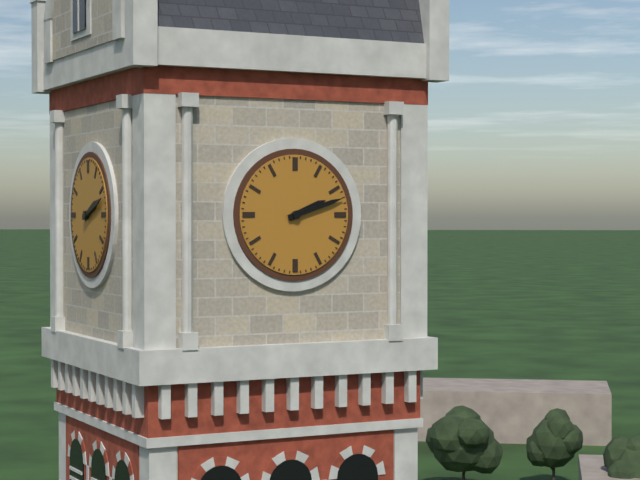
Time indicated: 2:12
